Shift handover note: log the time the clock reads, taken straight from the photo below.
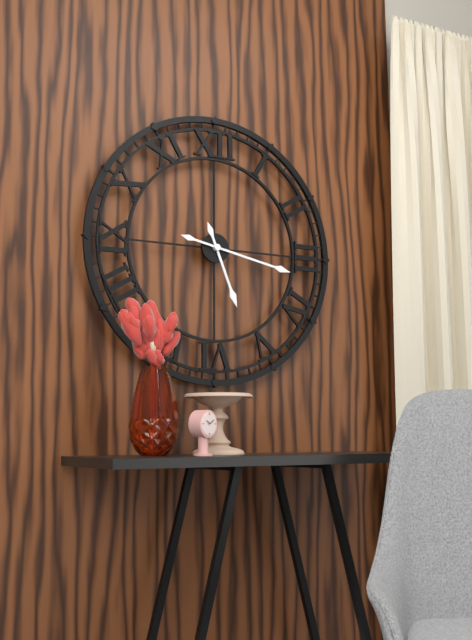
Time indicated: 5:17
